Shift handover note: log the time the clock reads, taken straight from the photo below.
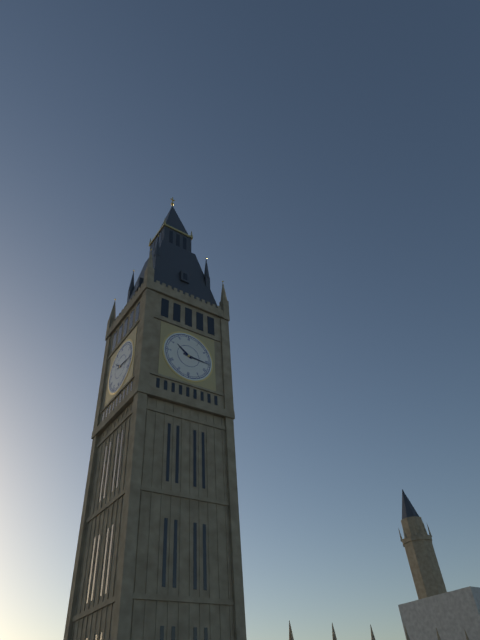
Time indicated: 10:16
